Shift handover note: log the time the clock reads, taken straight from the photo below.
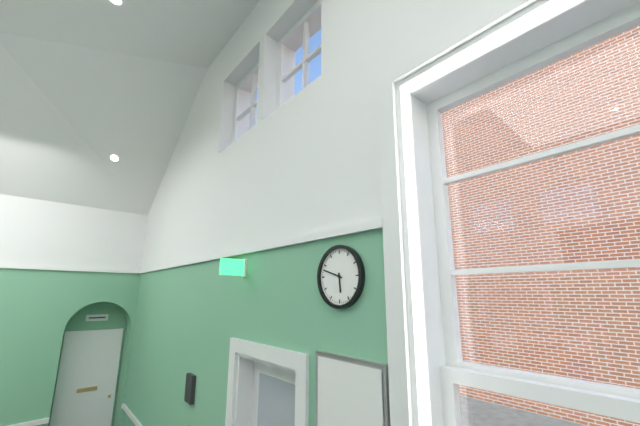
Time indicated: 5:48
